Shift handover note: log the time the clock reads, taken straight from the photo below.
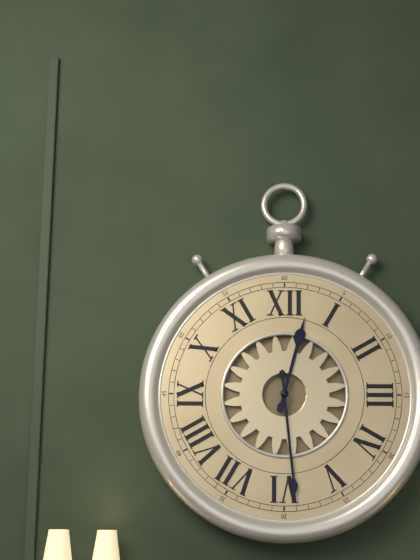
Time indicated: 12:29
